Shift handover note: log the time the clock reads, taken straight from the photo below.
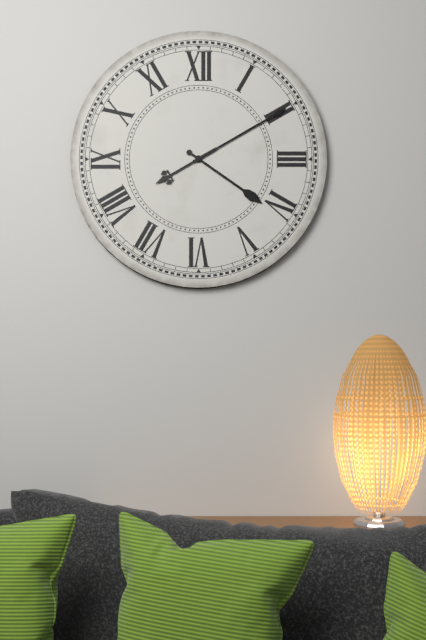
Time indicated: 4:10
